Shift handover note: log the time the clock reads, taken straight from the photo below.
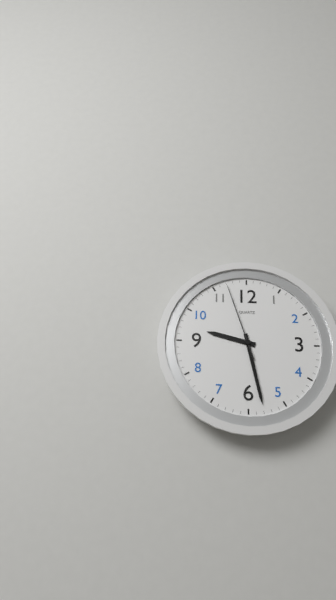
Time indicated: 9:28:57
